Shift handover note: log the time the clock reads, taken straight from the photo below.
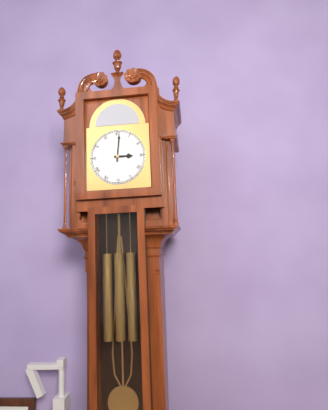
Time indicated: 3:01
